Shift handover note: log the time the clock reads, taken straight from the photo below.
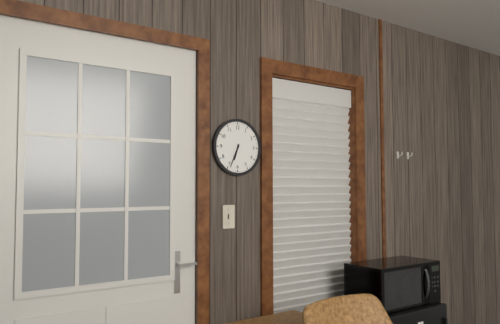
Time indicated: 6:34
